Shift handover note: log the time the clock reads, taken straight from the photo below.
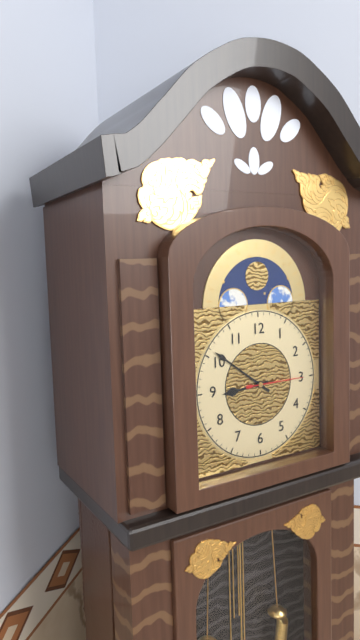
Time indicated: 8:51:15
